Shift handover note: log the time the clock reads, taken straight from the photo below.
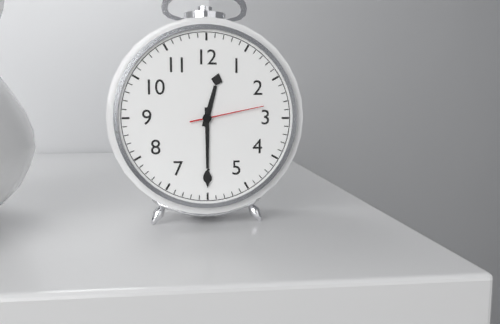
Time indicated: 12:30:13
